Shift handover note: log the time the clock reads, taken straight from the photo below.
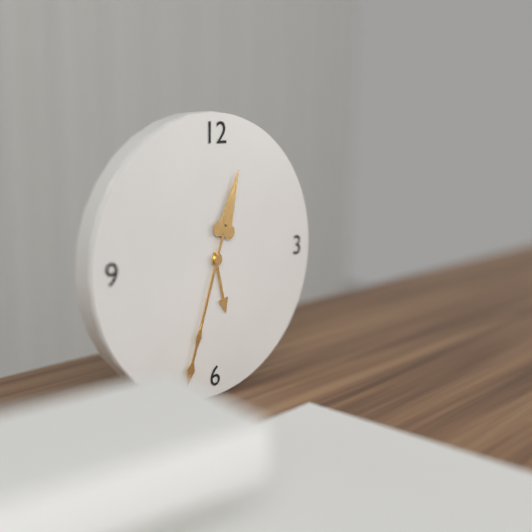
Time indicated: 5:33
